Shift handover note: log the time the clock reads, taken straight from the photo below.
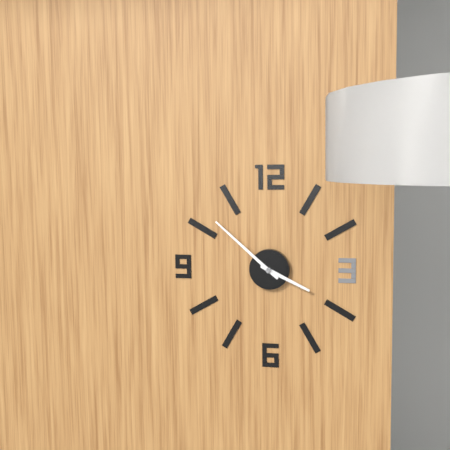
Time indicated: 3:52
